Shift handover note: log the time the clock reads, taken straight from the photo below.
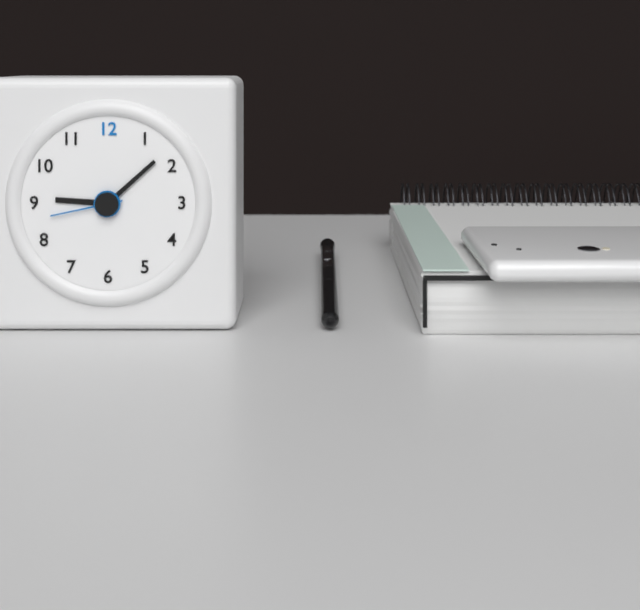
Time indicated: 9:08:43
